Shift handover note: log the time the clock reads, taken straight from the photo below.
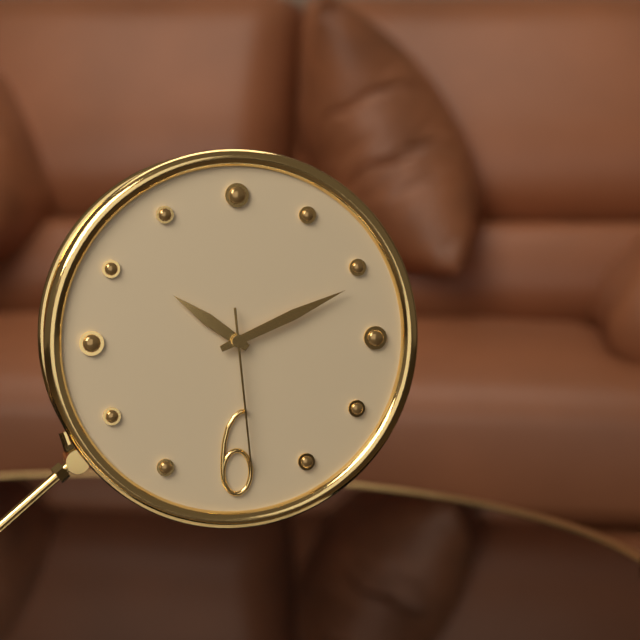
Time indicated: 10:11:29
